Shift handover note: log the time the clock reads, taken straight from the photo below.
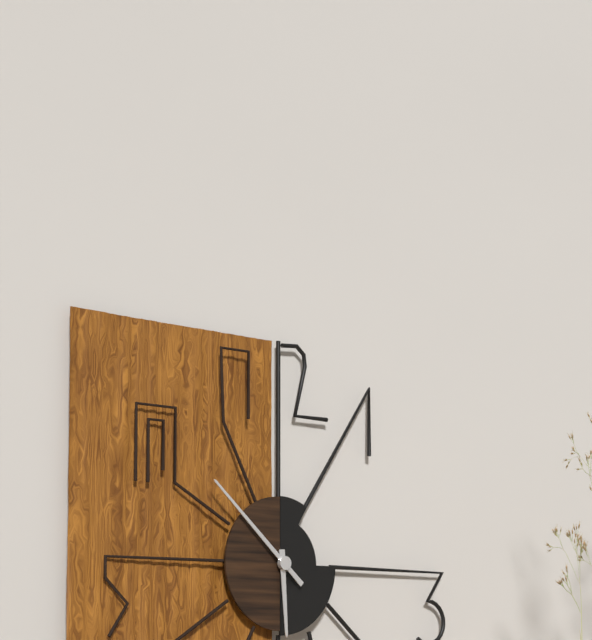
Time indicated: 5:52
